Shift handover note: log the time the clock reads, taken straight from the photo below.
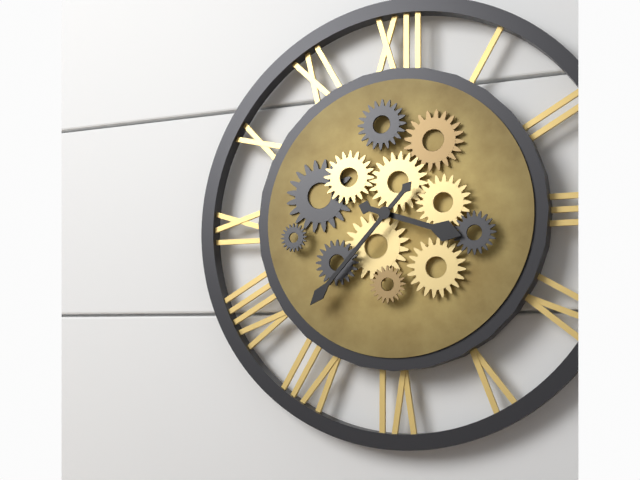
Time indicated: 3:37
